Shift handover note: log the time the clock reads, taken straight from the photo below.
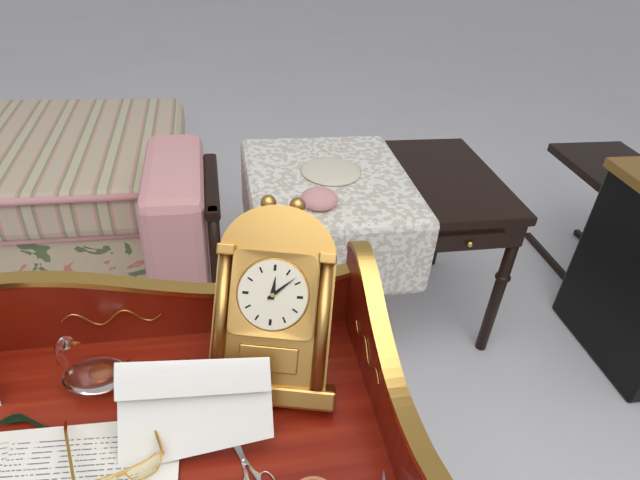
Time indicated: 12:08
